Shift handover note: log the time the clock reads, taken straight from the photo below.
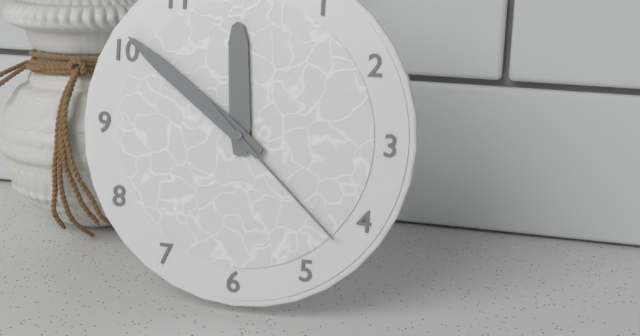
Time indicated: 11:51:22
